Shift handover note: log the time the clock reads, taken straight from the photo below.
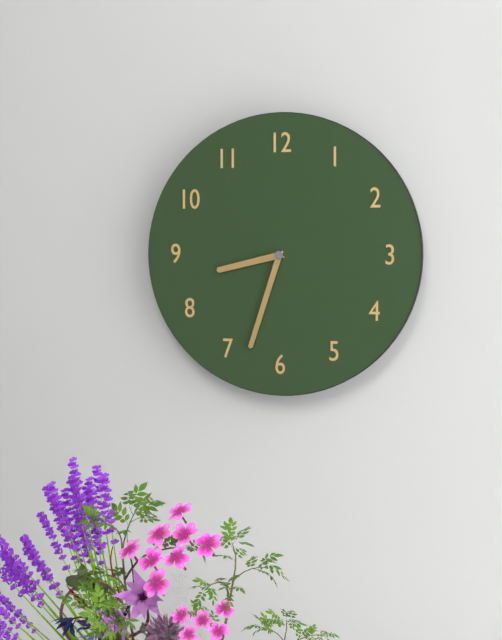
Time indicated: 8:33
